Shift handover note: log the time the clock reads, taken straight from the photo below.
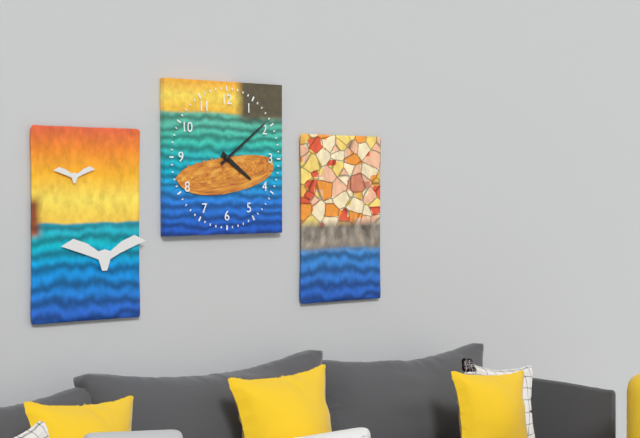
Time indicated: 4:09
